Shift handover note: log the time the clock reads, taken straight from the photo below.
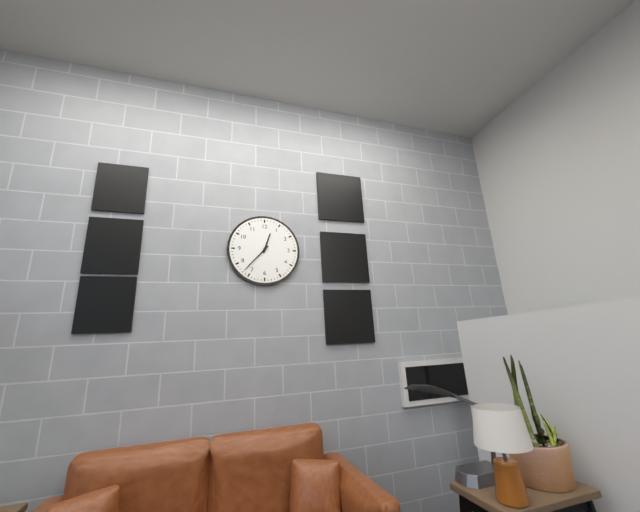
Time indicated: 12:37
